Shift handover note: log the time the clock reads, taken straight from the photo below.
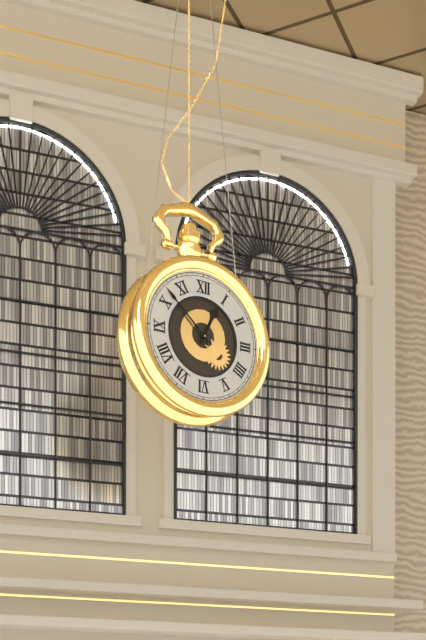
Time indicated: 12:52
